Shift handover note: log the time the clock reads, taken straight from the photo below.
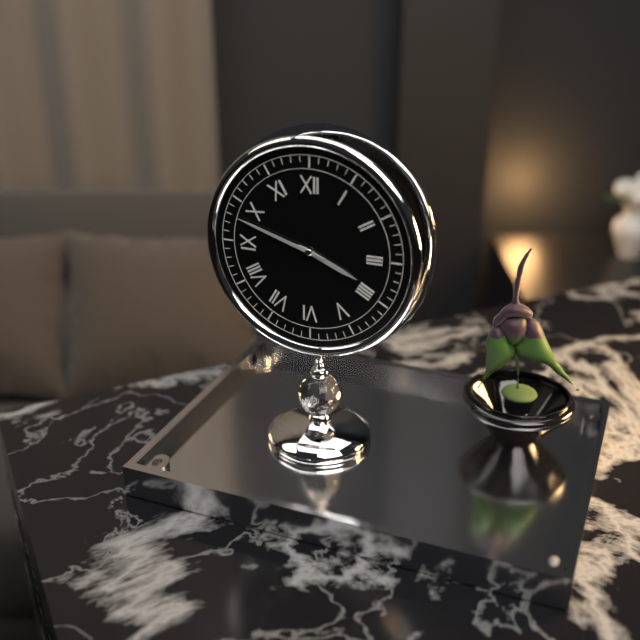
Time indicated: 3:48
